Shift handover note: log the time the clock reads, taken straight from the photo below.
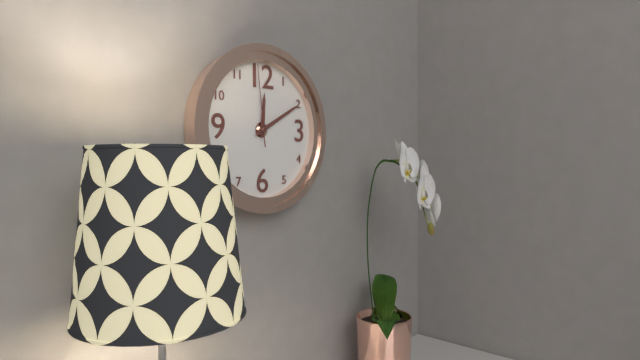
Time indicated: 12:10:59
